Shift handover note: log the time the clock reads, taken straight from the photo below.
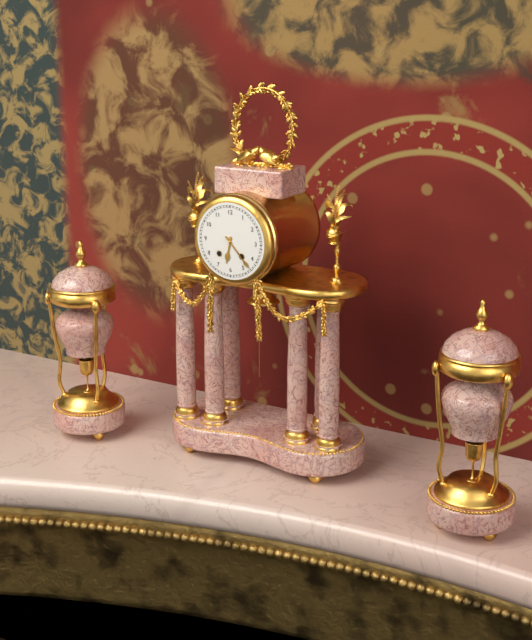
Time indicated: 6:23
